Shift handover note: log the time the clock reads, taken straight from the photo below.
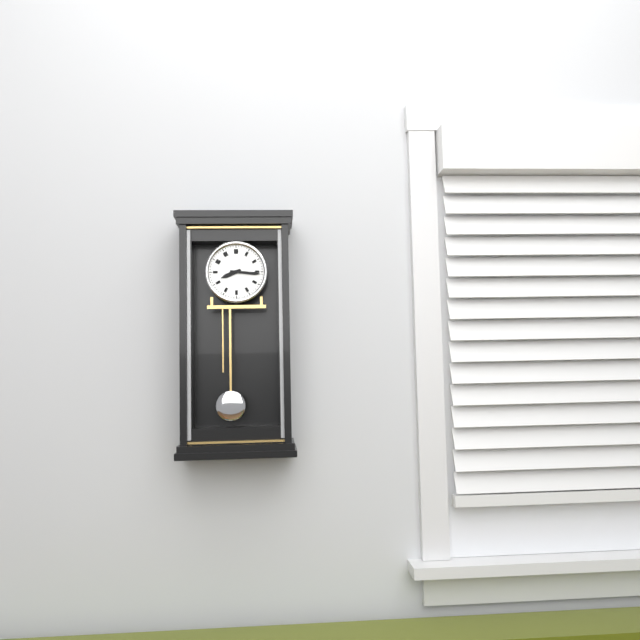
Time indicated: 8:16
